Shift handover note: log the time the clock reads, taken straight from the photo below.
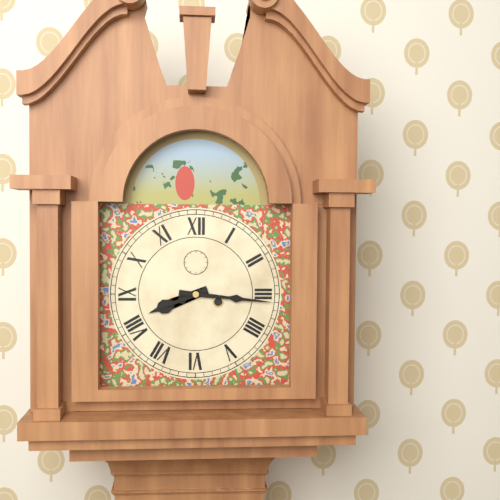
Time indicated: 8:16
